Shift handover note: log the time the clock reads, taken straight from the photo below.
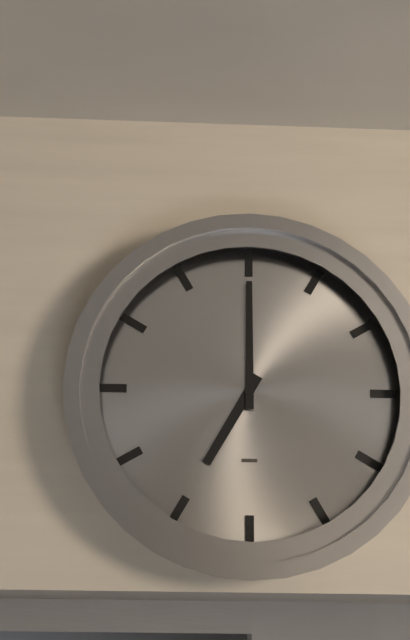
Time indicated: 7:00
